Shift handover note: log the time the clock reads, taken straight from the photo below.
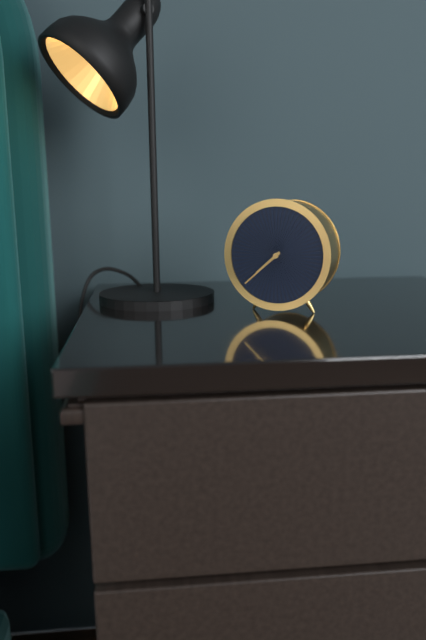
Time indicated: 7:38
